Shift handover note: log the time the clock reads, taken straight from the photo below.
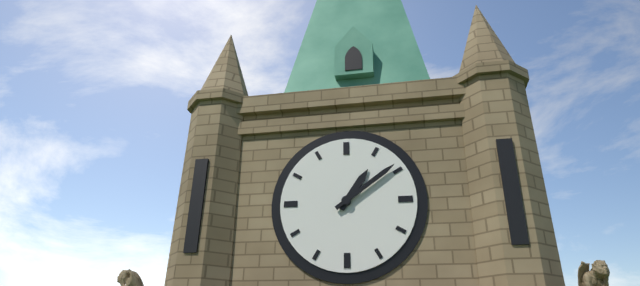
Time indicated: 1:09
